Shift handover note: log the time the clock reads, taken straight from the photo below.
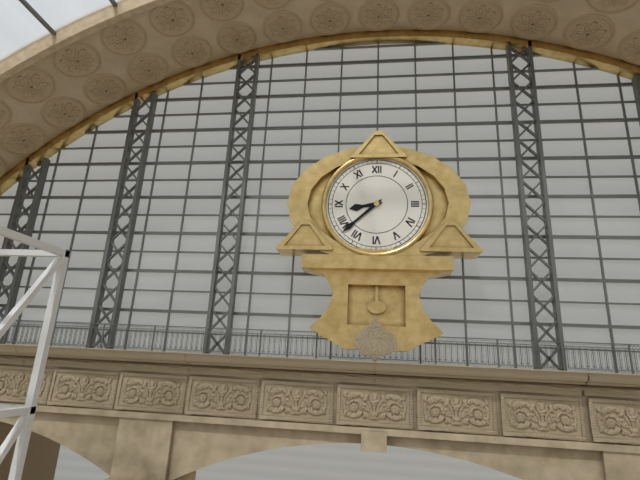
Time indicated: 8:38
